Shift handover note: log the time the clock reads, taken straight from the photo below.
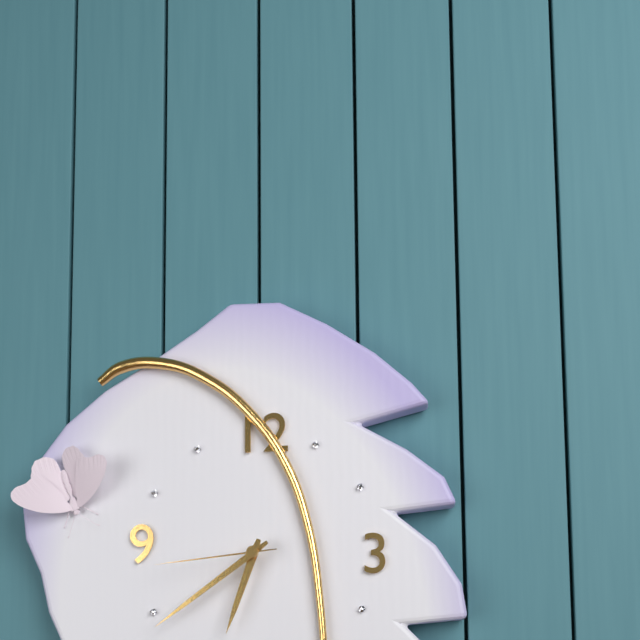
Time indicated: 6:39:44
